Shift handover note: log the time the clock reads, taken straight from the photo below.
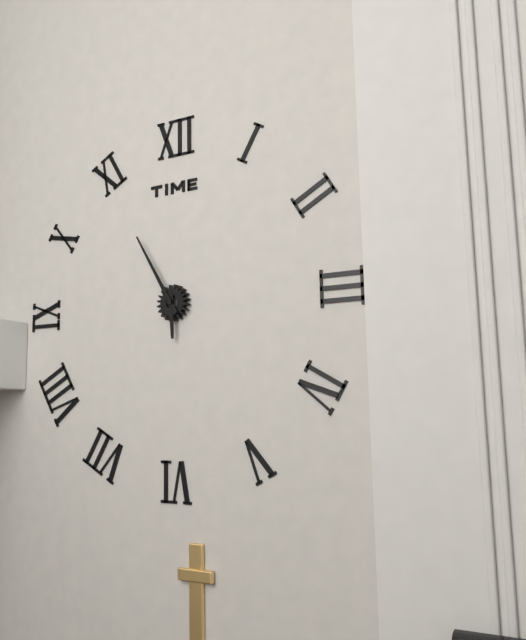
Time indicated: 5:55
